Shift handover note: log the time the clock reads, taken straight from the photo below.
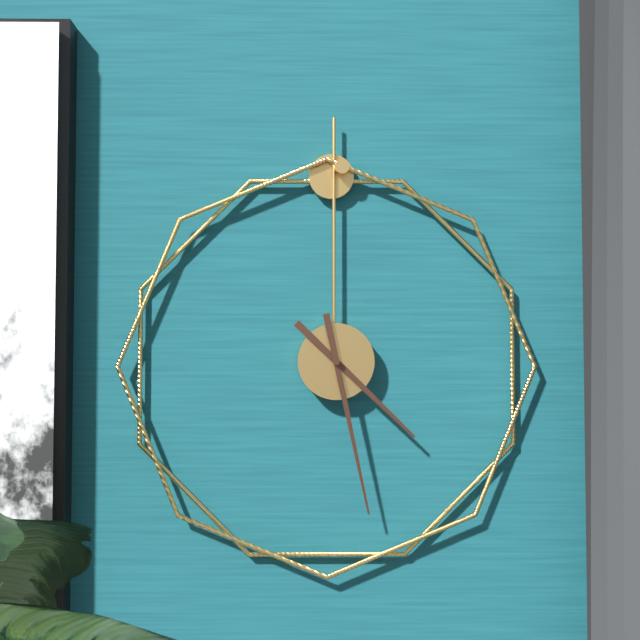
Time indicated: 4:28
